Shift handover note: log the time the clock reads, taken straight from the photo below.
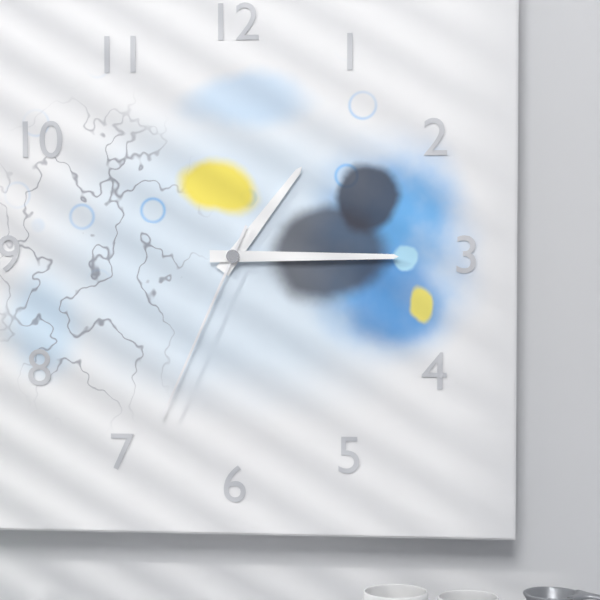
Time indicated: 1:15:34
